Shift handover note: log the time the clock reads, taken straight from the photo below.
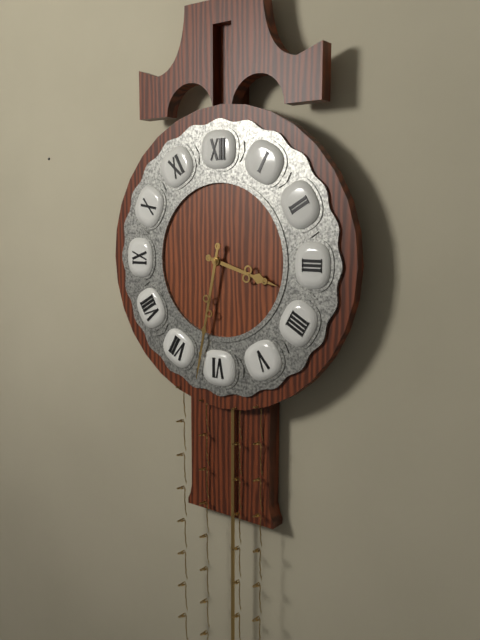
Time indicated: 3:32
